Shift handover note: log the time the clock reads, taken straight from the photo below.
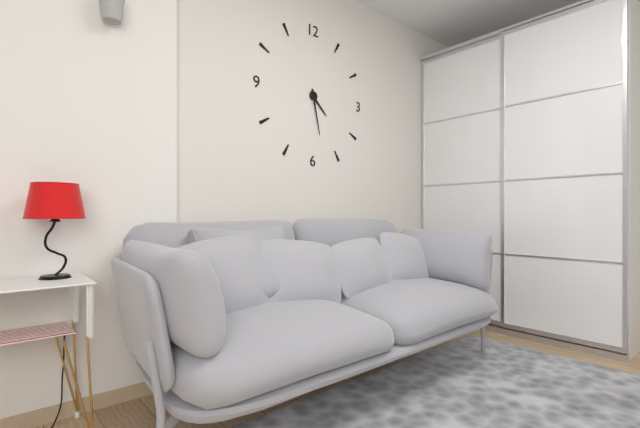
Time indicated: 4:28
